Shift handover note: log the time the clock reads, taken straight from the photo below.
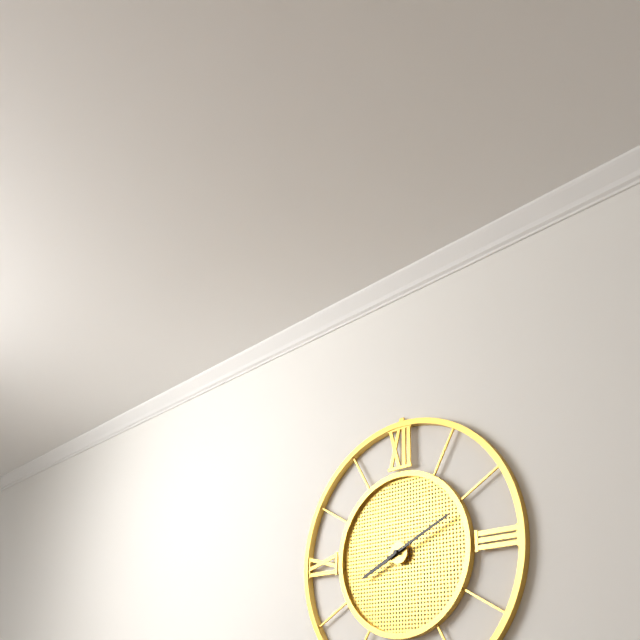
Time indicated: 8:11
